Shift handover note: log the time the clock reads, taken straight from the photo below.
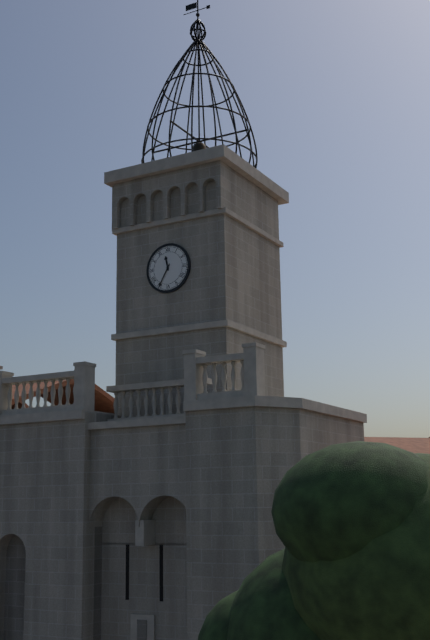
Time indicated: 11:35
